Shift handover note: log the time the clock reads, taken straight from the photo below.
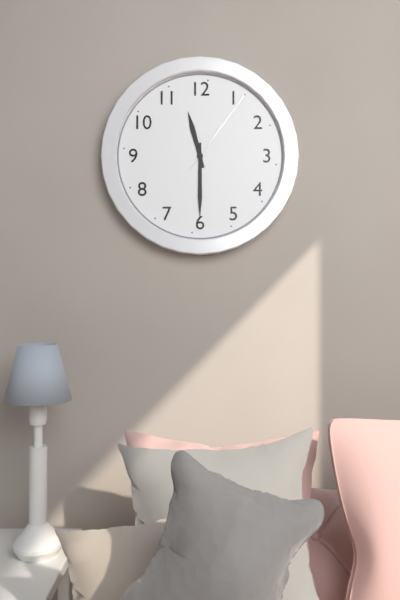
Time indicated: 11:30:06
